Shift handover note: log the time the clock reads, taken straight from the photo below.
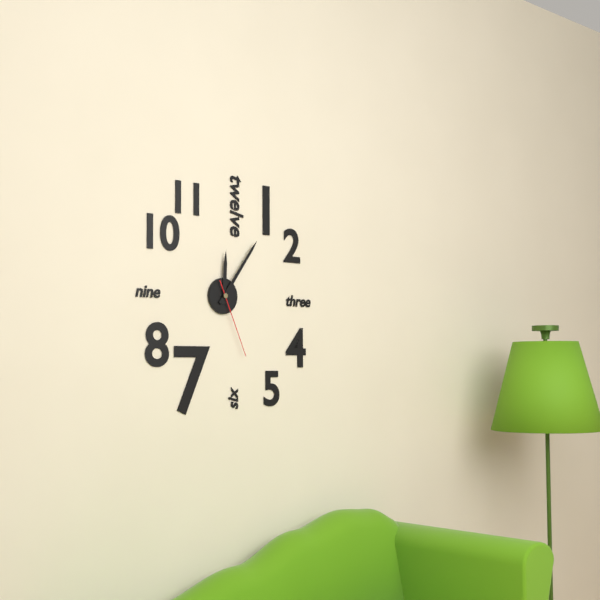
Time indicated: 12:06:26
